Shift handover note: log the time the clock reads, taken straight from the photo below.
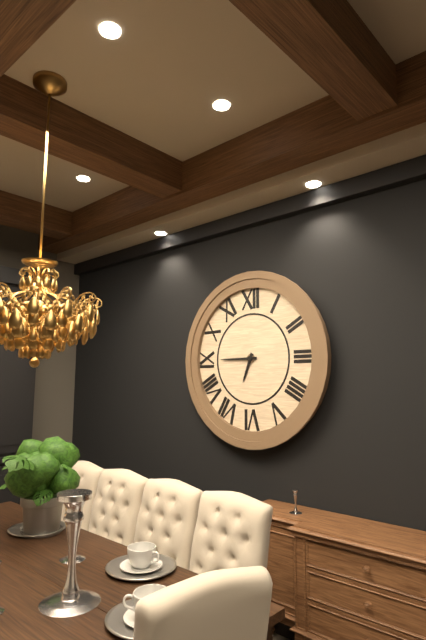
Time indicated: 6:45
